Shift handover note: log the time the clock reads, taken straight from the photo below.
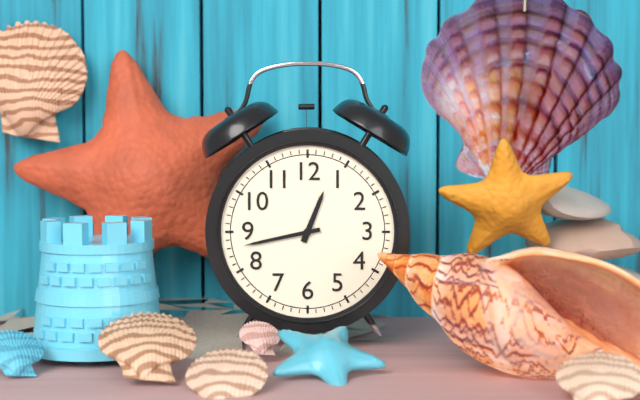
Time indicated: 12:43
